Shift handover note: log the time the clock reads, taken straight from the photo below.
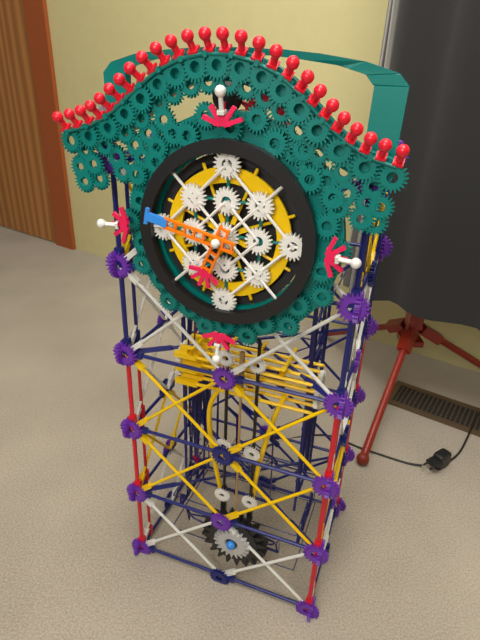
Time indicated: 6:47
